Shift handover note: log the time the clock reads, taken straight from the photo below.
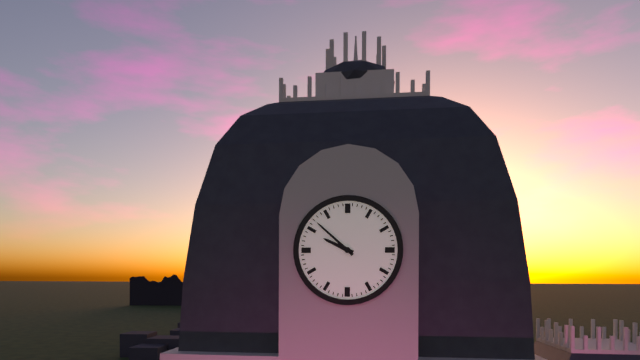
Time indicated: 9:52
